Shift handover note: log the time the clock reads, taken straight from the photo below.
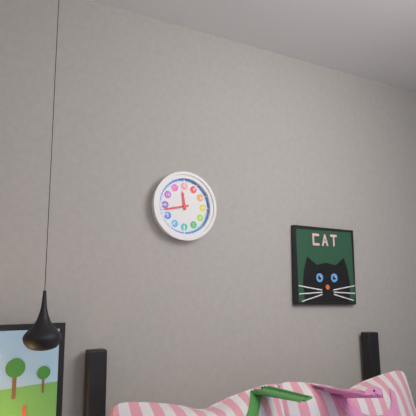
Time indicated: 11:43
